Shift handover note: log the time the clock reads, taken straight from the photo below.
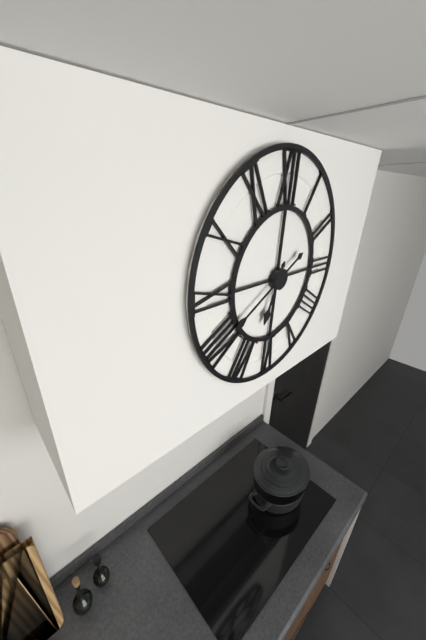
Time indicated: 6:40
